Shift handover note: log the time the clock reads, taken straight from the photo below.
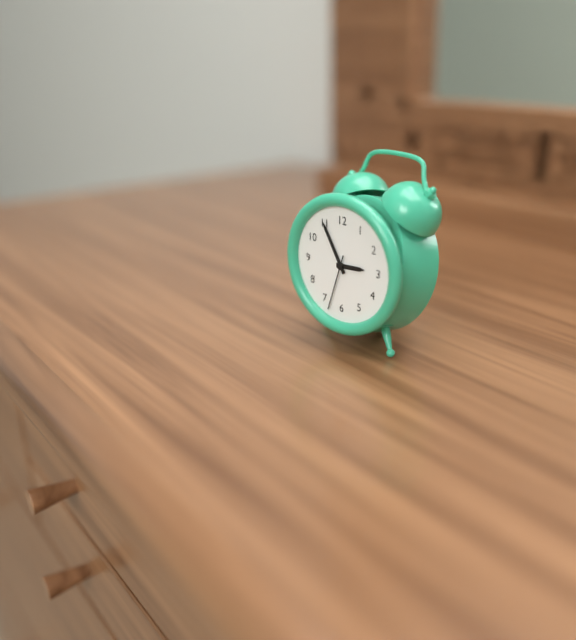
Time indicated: 2:55:33
